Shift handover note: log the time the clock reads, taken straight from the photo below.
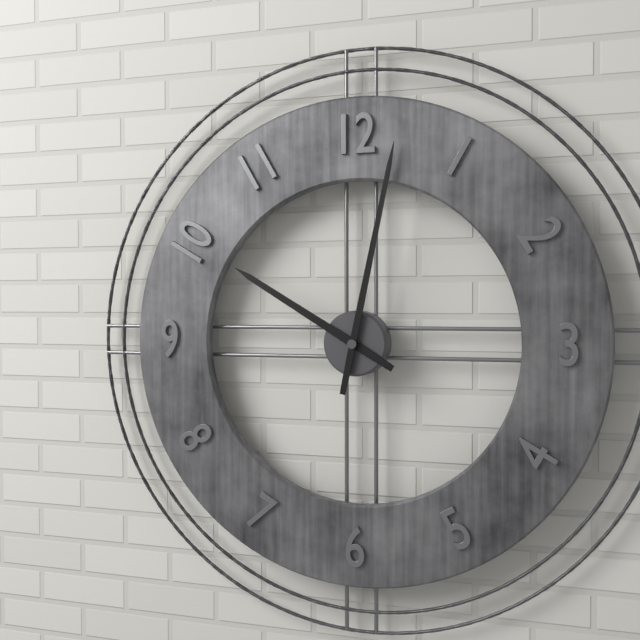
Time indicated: 10:02
